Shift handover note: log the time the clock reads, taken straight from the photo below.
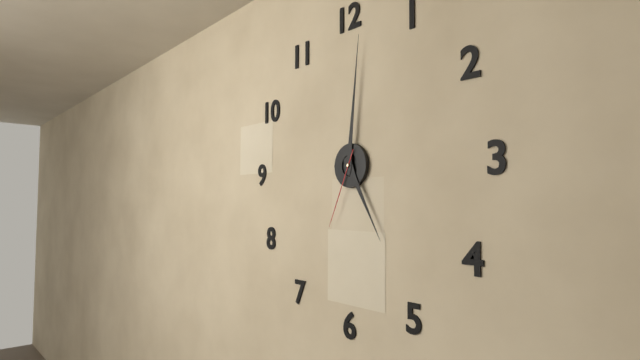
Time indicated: 5:01:34
